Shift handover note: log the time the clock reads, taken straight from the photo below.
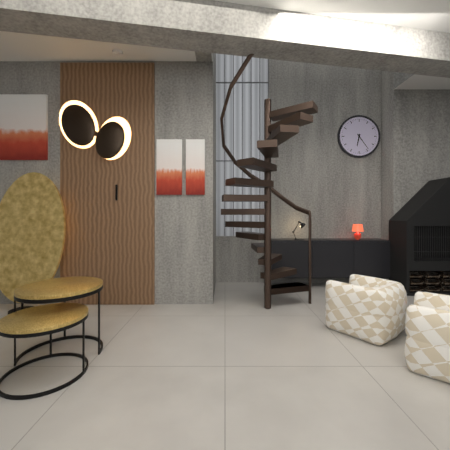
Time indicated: 6:24
